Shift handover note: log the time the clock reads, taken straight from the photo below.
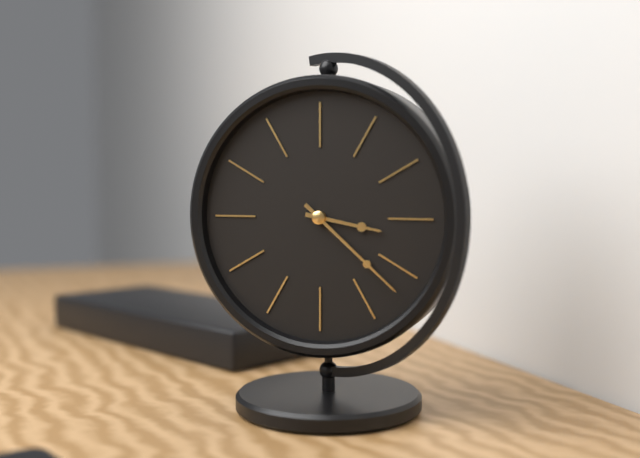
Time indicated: 3:22
